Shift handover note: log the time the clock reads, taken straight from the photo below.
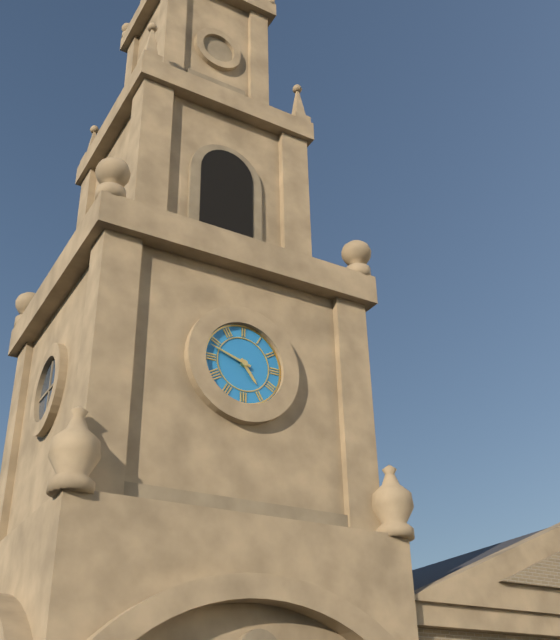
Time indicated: 4:48
